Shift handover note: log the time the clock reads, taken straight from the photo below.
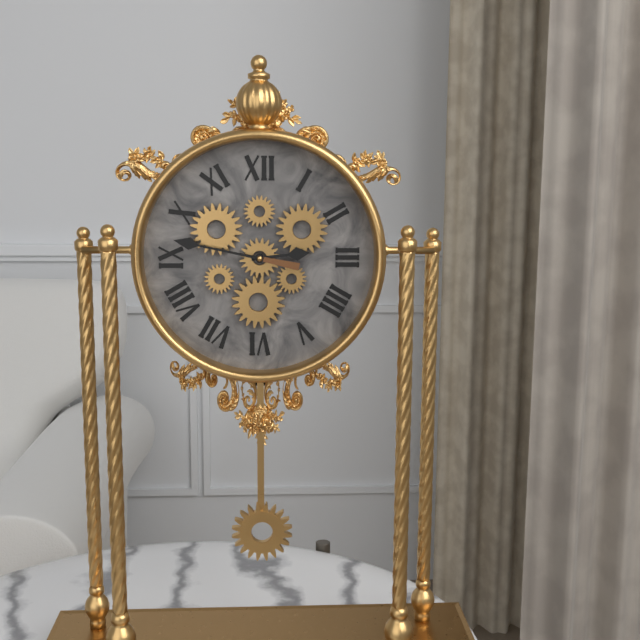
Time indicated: 2:47
